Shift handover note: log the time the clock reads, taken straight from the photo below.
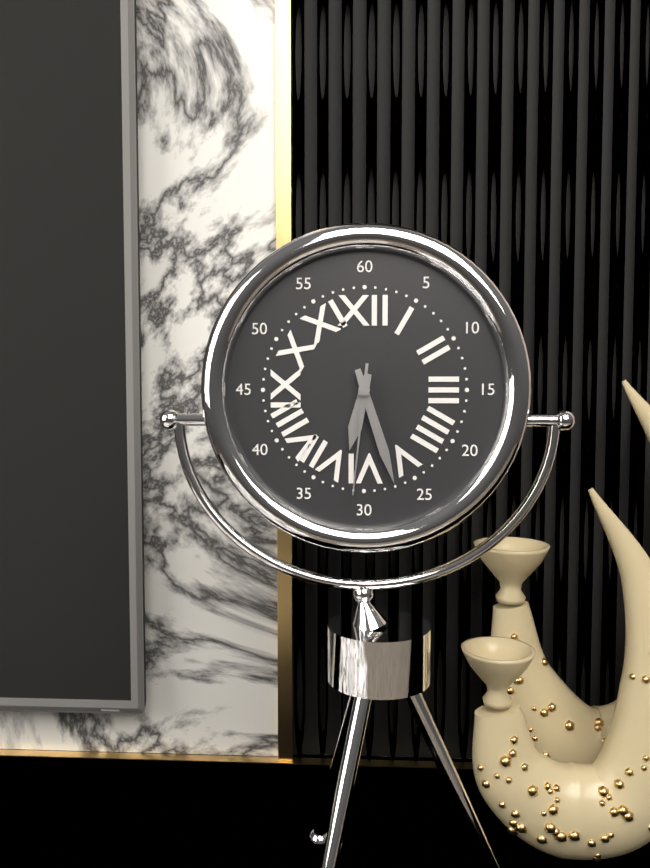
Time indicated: 6:27:31
